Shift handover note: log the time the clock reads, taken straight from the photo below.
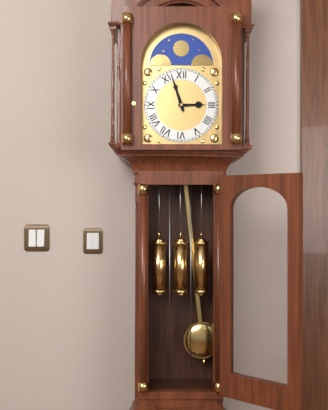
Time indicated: 2:57
